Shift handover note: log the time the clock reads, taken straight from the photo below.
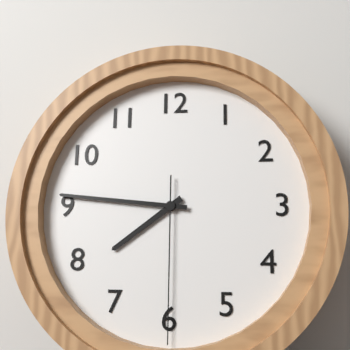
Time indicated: 7:46:30
